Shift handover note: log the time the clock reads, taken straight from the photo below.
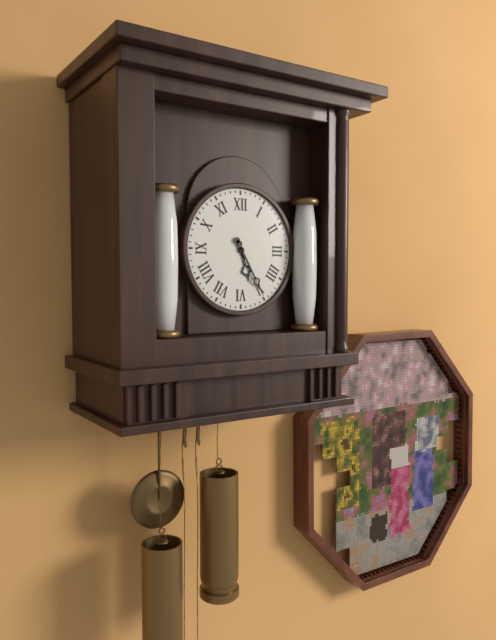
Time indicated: 5:25
